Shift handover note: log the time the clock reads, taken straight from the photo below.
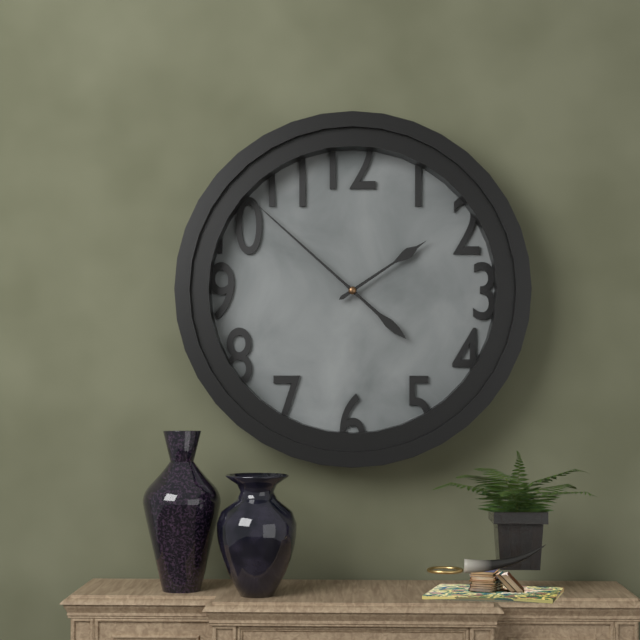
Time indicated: 1:52
